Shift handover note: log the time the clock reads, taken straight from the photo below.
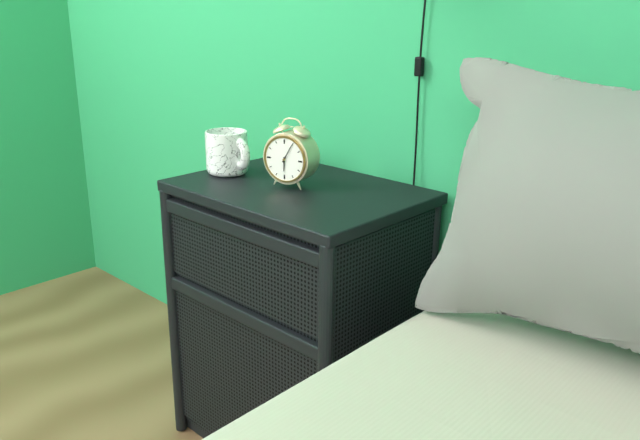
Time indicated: 6:05
